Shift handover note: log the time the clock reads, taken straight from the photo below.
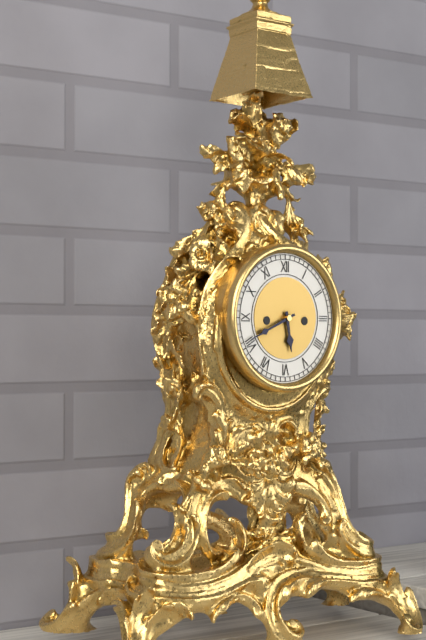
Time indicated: 5:41
